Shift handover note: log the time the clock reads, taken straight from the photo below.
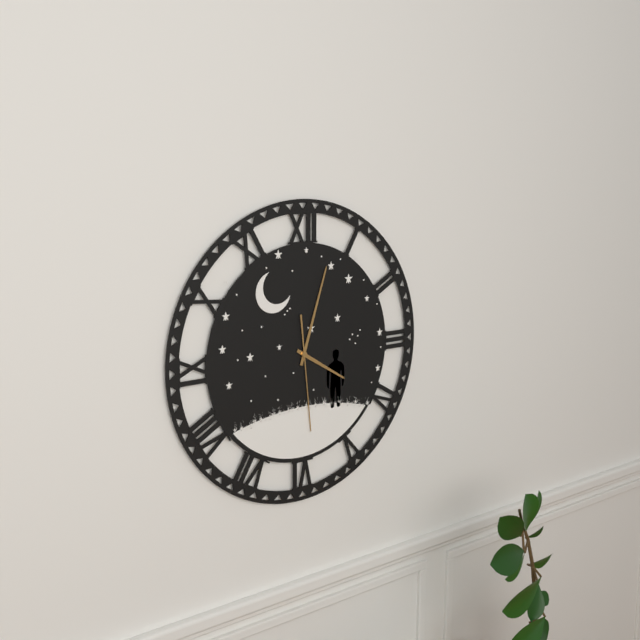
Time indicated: 4:03:29
